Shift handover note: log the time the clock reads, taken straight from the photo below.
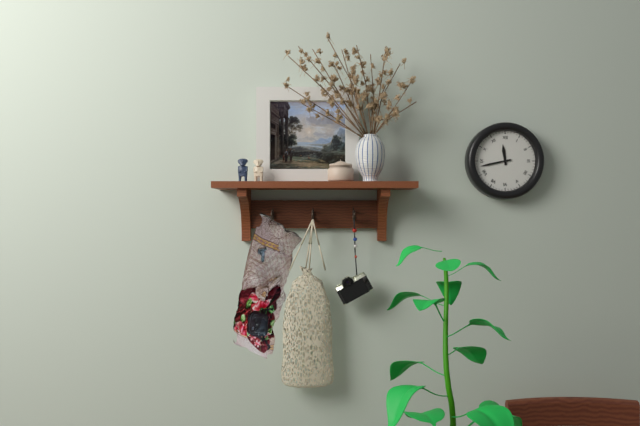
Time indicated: 11:43
